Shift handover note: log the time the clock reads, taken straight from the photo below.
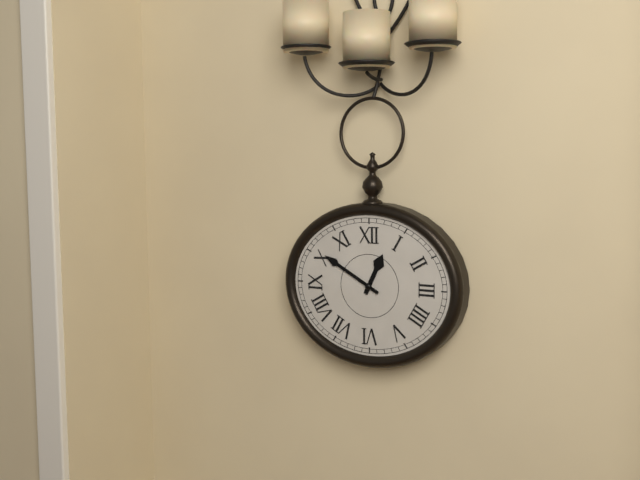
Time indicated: 12:50
